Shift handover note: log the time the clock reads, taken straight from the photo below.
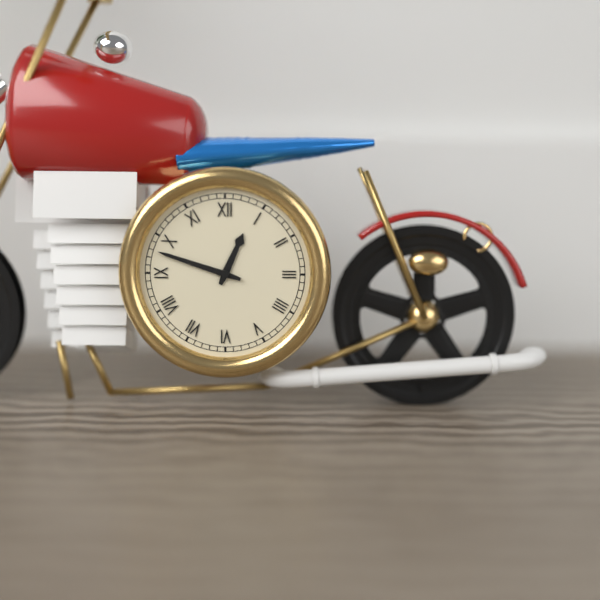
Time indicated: 12:48
